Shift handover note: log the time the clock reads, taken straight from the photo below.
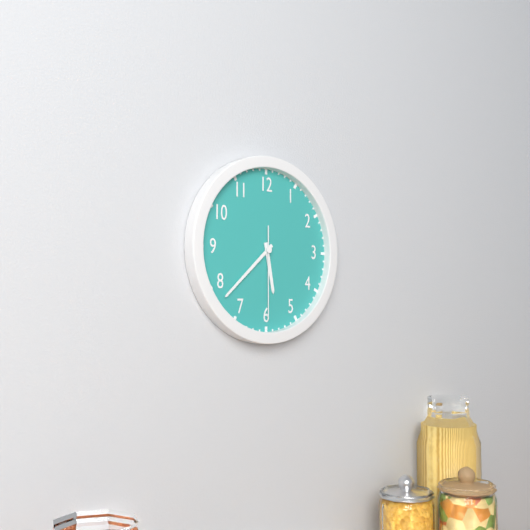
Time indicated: 5:38:30
